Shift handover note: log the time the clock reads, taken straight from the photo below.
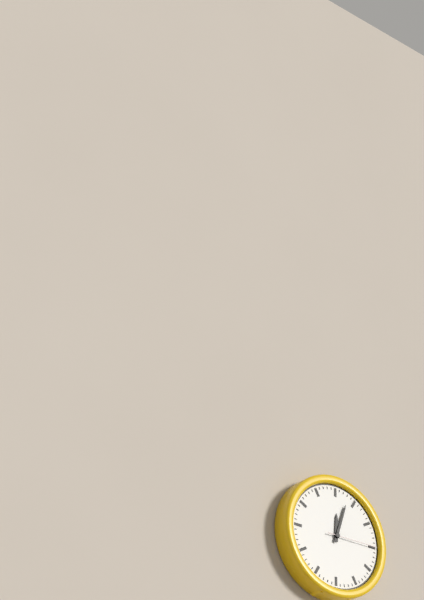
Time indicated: 12:03:15
